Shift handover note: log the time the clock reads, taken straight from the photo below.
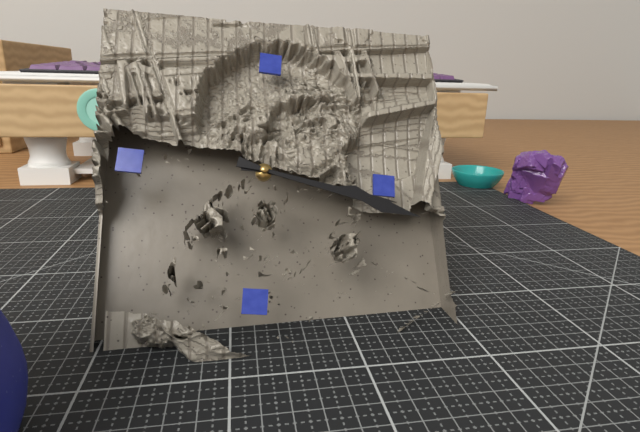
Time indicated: 3:17
